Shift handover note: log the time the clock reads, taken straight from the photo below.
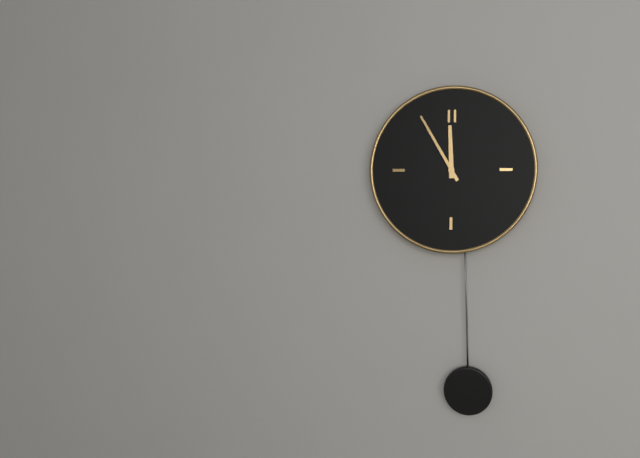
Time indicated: 11:55
